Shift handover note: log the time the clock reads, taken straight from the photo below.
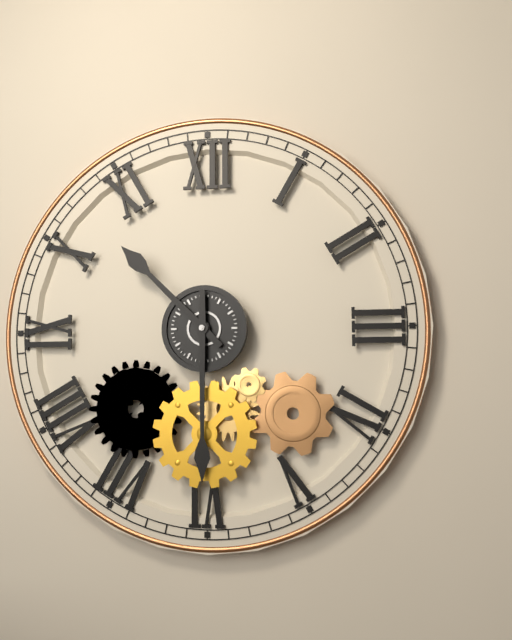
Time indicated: 10:30
